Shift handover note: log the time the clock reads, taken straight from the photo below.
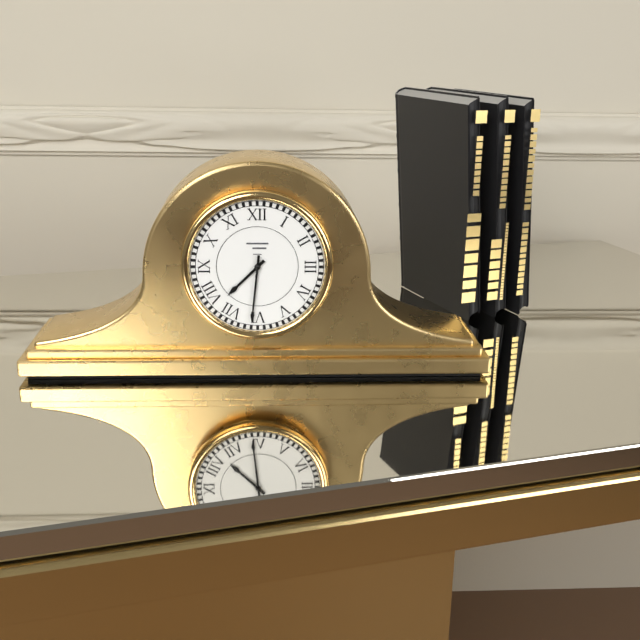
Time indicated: 7:31
